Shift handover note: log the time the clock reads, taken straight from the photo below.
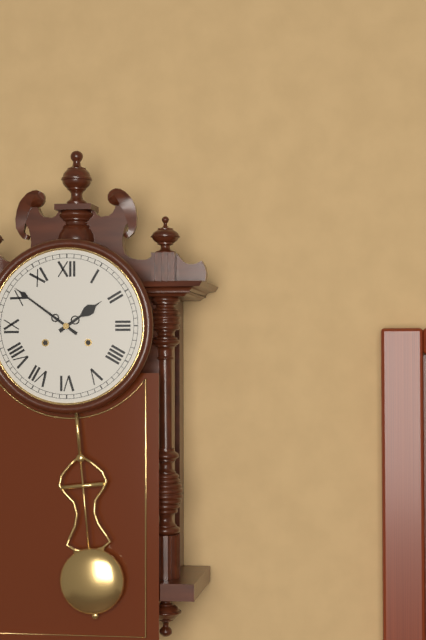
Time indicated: 1:51
